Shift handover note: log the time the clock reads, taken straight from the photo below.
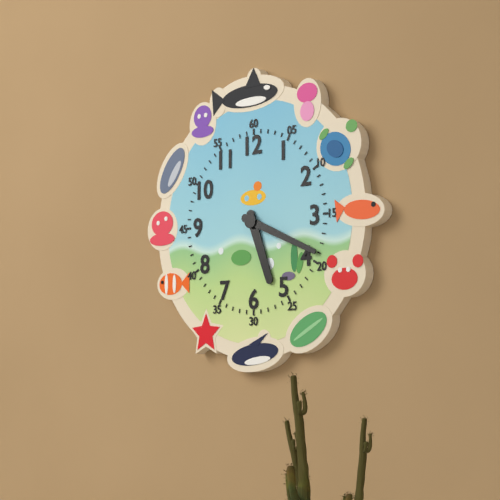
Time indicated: 5:19
